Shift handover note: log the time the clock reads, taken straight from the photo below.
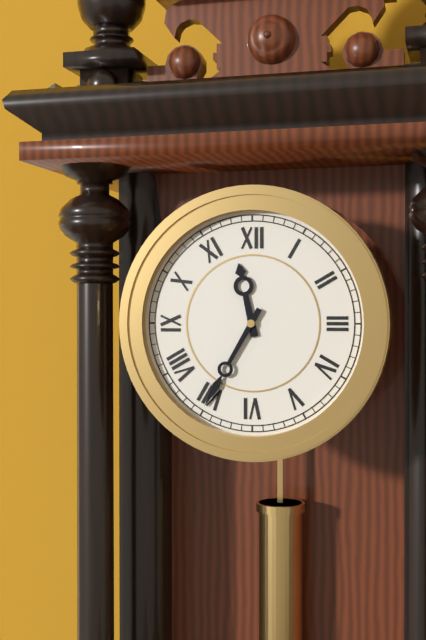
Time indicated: 11:35
